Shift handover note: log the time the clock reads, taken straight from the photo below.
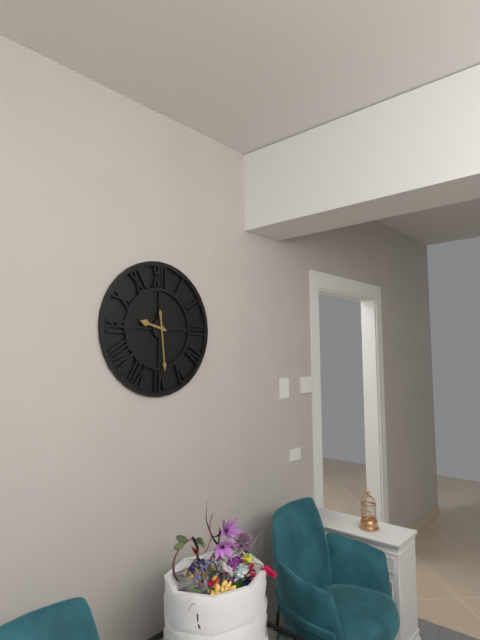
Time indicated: 9:29
